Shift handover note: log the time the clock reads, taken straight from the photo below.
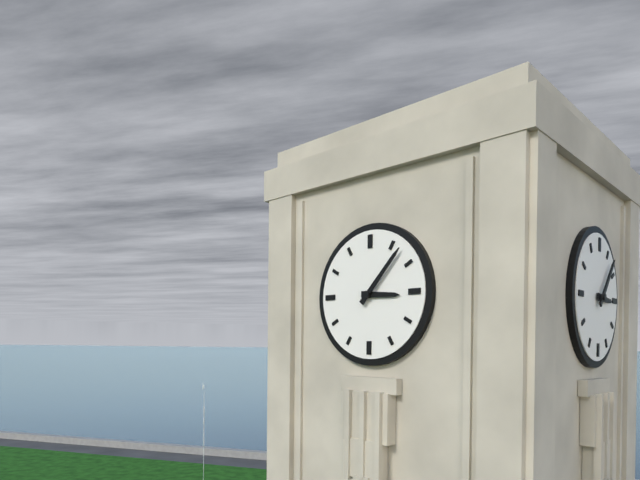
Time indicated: 3:07
